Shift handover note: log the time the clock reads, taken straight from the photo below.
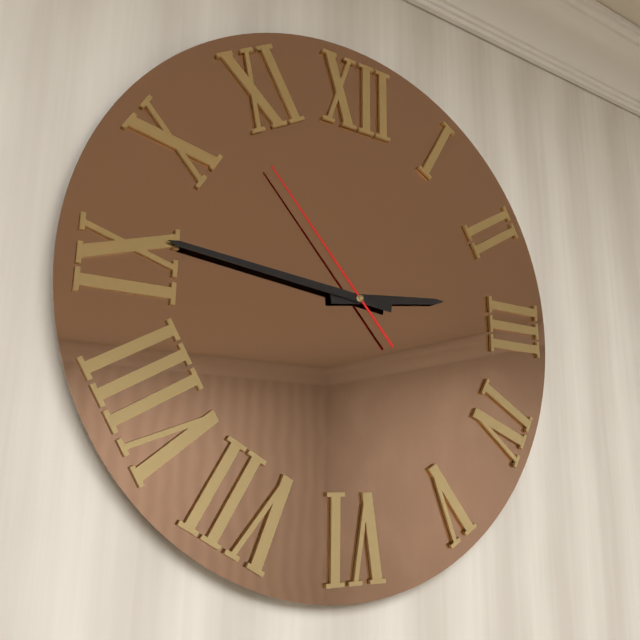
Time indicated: 2:46:53
